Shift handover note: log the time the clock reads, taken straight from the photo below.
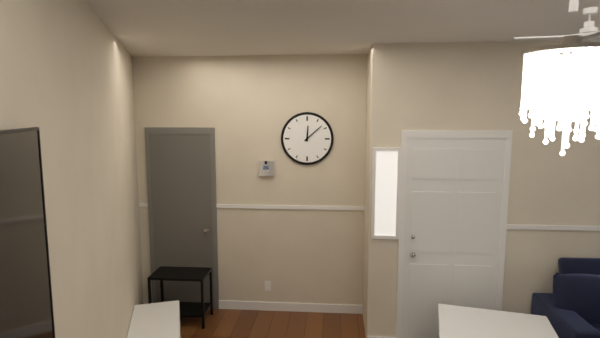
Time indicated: 12:08
